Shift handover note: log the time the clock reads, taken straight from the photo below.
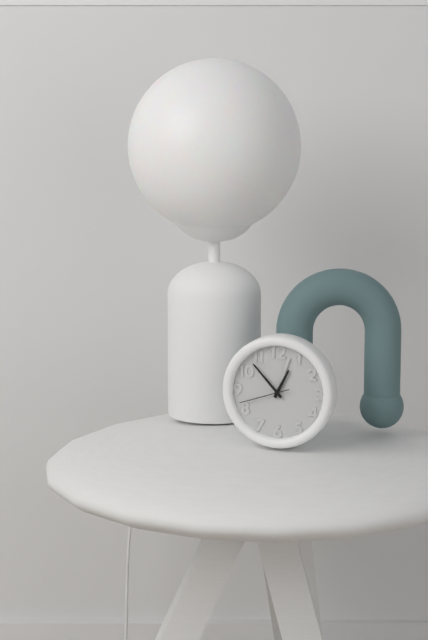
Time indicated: 12:53
